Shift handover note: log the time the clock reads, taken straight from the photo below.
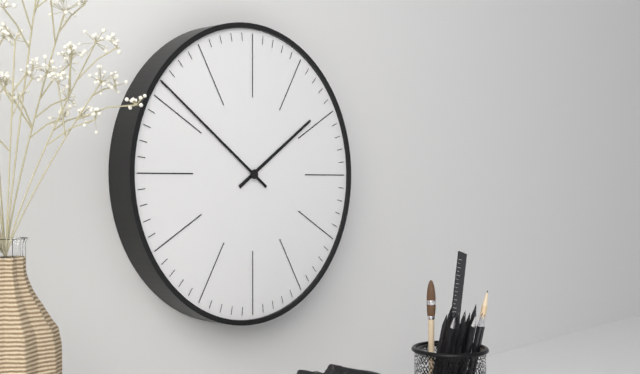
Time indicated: 1:51
